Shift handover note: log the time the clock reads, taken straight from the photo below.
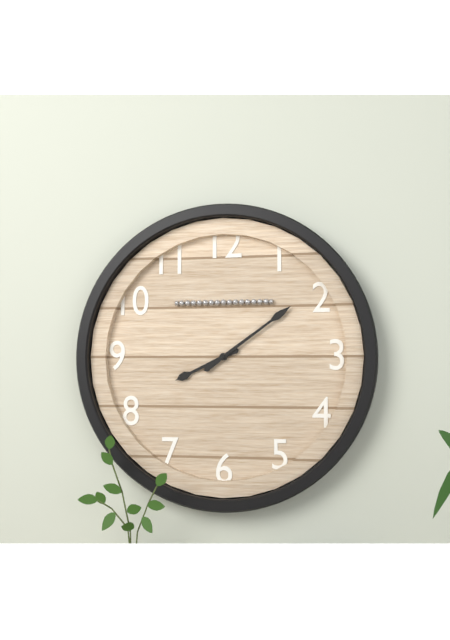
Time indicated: 8:09
